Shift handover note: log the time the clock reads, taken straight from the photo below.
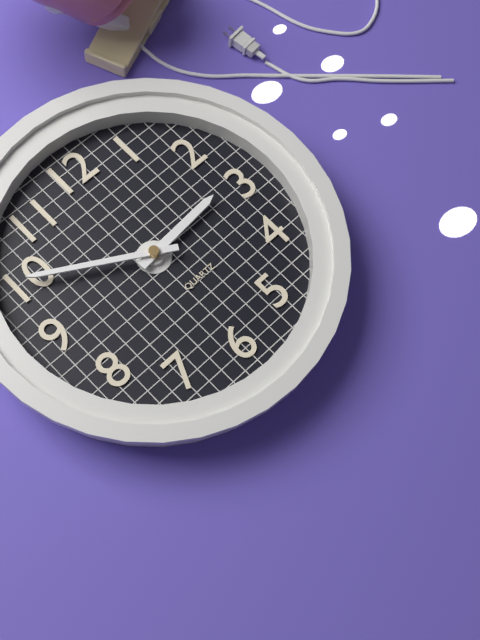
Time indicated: 2:50
